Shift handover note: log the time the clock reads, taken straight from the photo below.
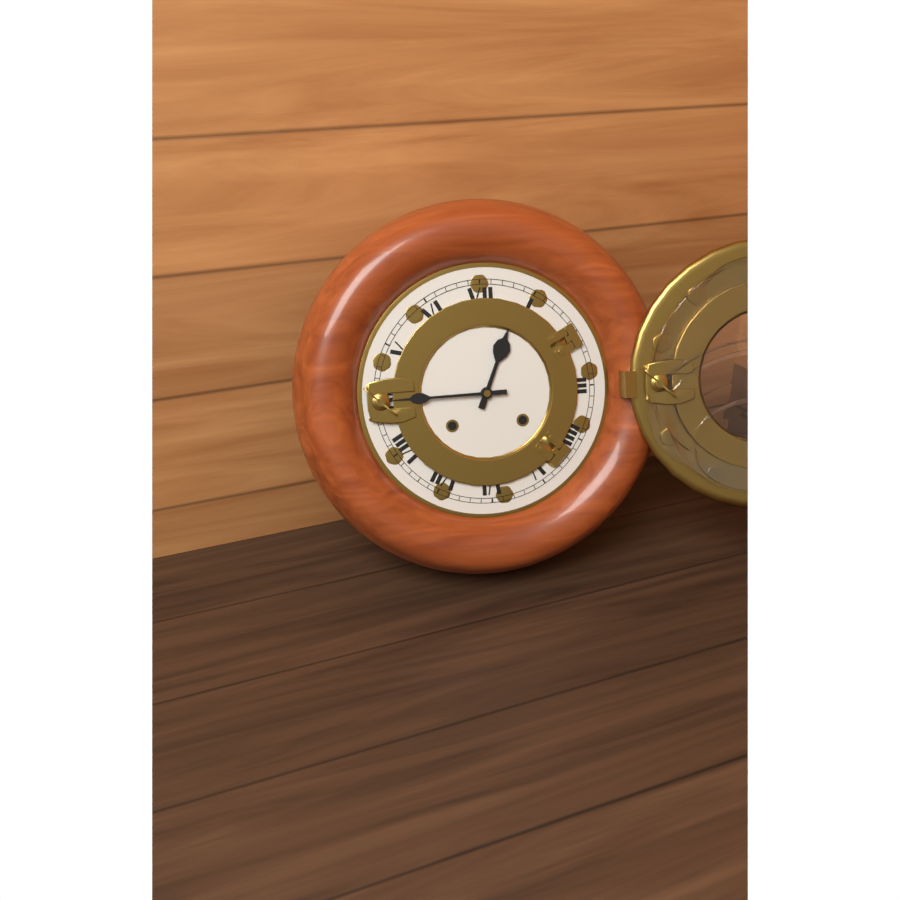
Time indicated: 12:45
